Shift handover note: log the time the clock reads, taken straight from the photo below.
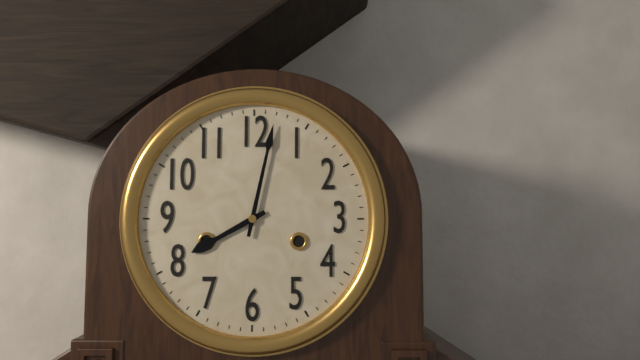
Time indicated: 8:02
